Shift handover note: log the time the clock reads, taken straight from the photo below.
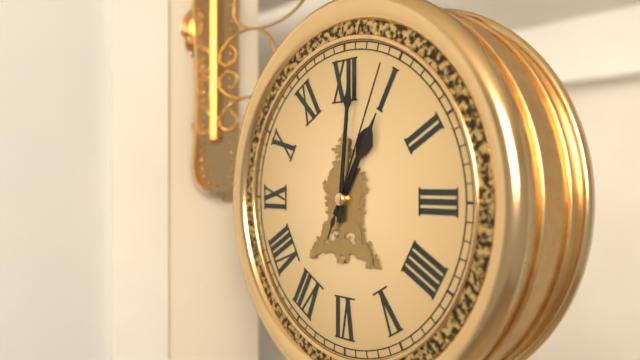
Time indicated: 1:01:04
